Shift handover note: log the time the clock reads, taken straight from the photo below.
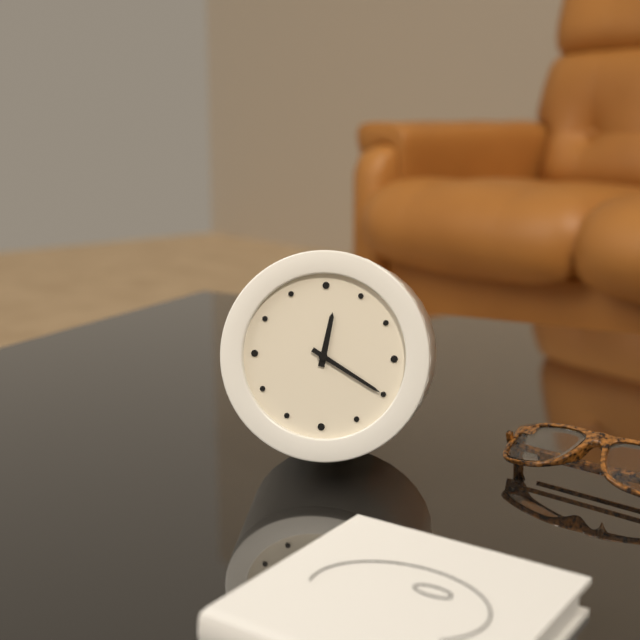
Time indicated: 12:20
